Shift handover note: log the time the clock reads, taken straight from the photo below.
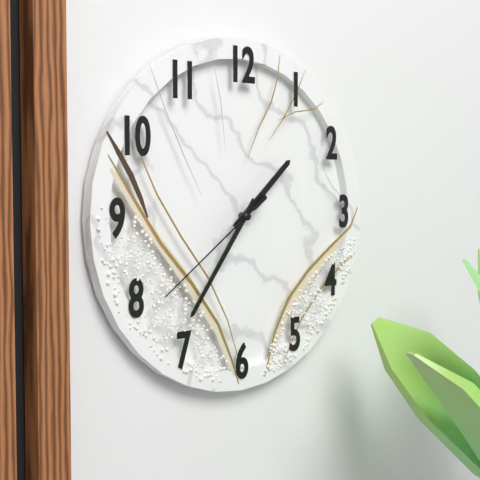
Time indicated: 1:36:39
